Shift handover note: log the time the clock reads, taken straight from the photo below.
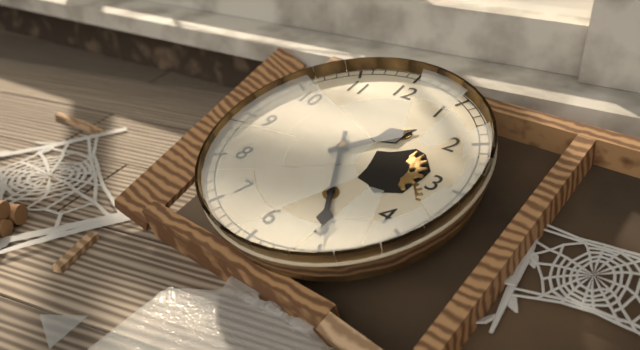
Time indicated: 1:25
